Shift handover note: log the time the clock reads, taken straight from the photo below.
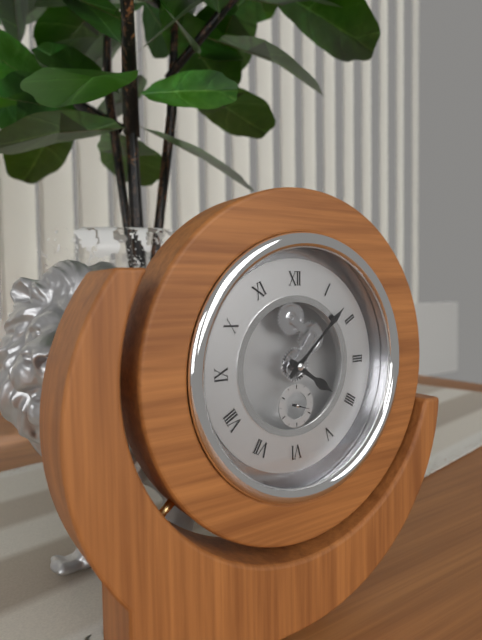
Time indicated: 4:08
